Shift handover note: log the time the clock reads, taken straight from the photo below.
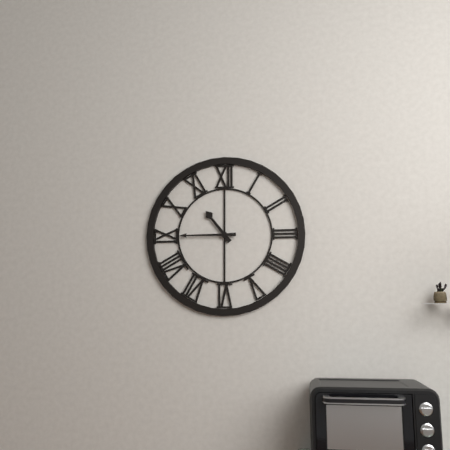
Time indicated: 10:45
